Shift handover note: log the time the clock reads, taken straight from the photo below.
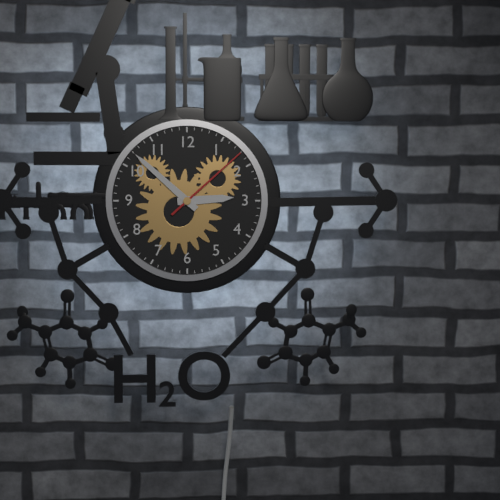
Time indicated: 2:52:08
